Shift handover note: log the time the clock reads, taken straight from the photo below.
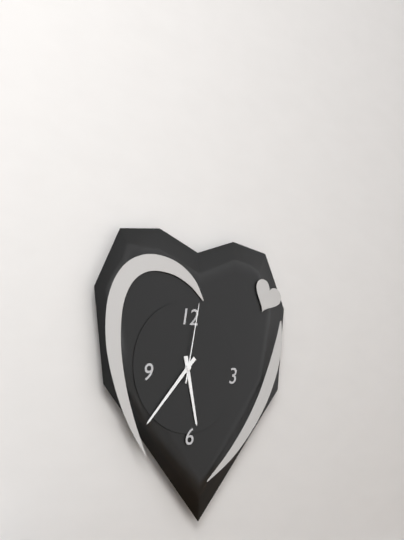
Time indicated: 5:37:02
